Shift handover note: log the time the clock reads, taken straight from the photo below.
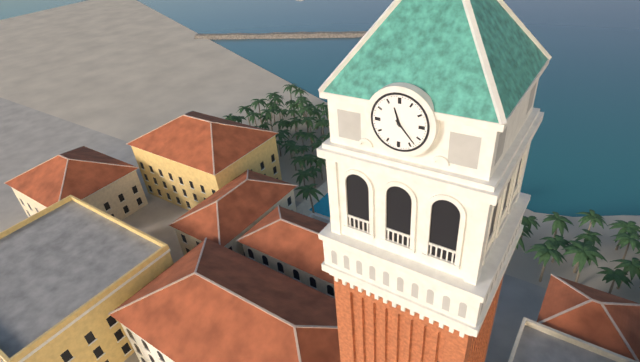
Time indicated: 11:23
